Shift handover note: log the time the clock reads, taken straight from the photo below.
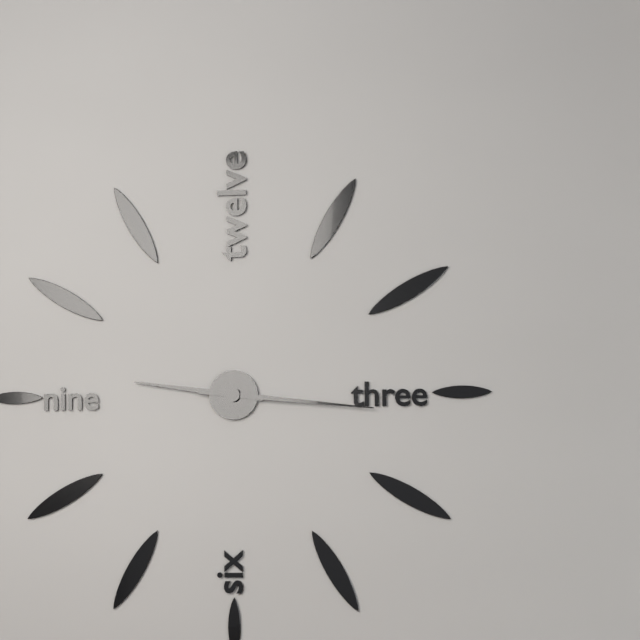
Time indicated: 9:16
